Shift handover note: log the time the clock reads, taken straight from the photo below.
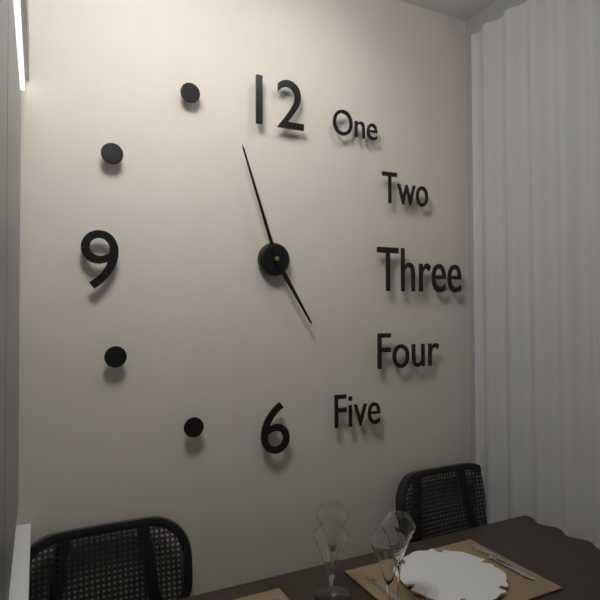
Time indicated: 4:57
